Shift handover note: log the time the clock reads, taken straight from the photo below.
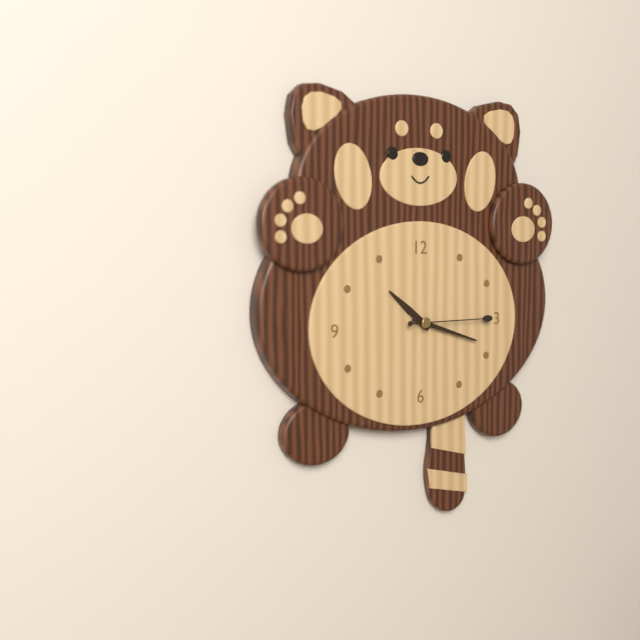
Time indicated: 10:18:15
